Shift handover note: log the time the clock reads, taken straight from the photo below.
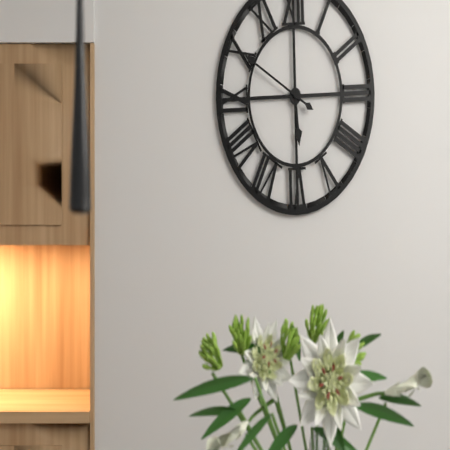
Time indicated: 5:50
